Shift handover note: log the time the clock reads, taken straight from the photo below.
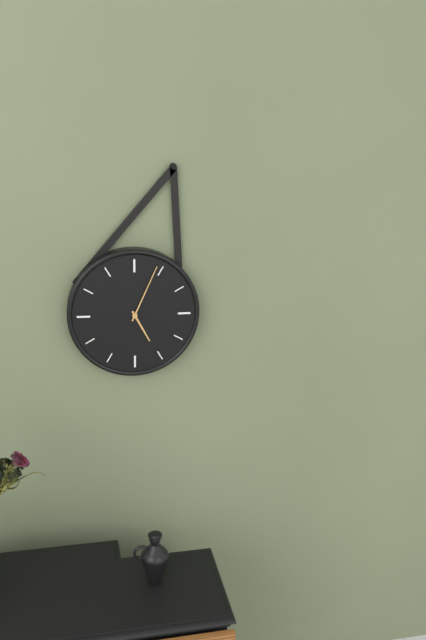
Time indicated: 5:04
